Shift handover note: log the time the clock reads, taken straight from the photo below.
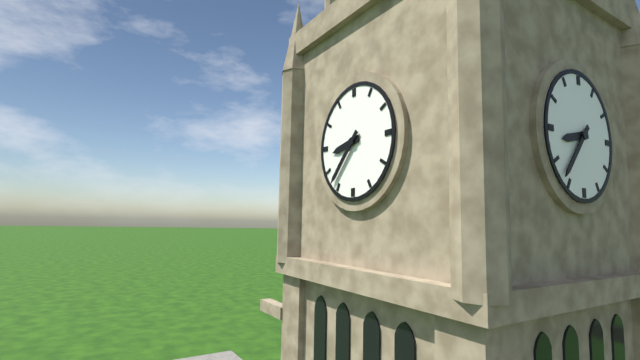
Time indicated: 8:37
